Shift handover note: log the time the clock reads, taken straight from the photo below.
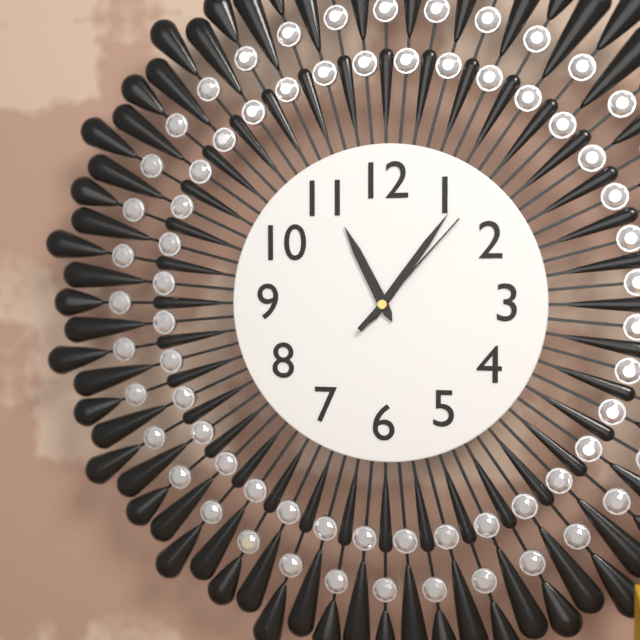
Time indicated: 11:06:07
